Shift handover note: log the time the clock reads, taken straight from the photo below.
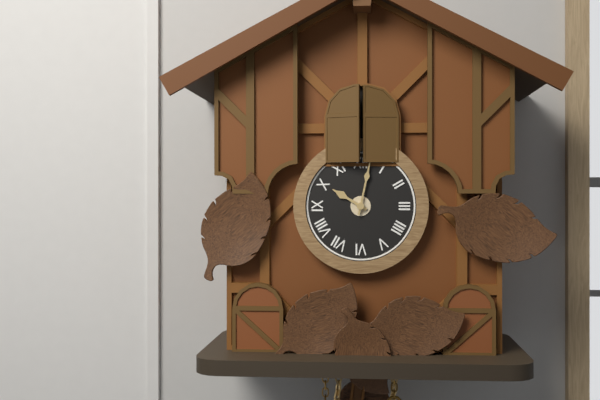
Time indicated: 10:02
